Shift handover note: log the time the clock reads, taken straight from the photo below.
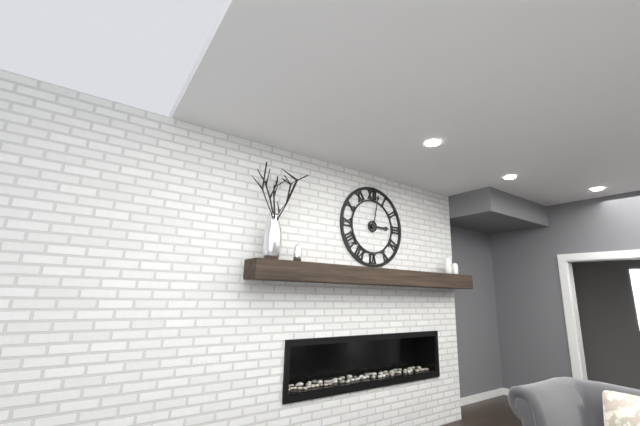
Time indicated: 3:02
